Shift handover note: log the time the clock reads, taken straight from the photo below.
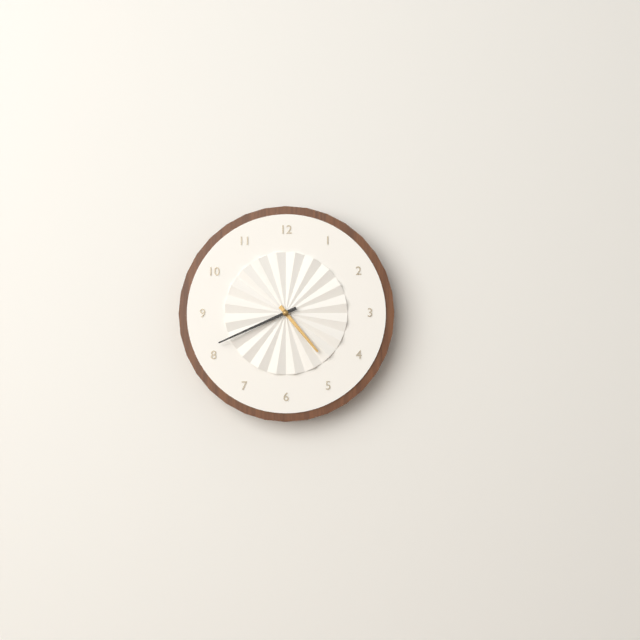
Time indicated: 4:41
